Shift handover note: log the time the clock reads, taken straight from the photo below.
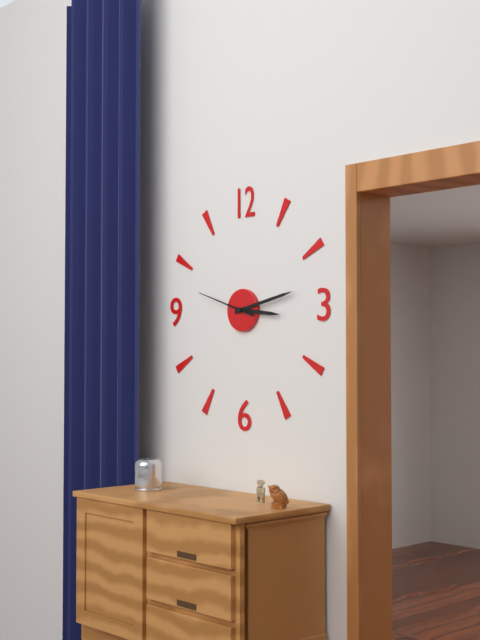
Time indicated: 3:13:48
